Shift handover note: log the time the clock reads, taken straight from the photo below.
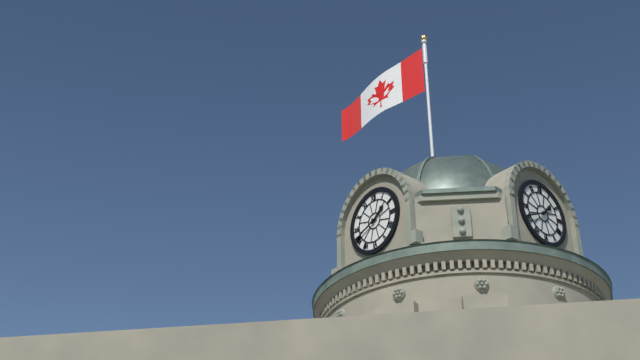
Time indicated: 1:41
